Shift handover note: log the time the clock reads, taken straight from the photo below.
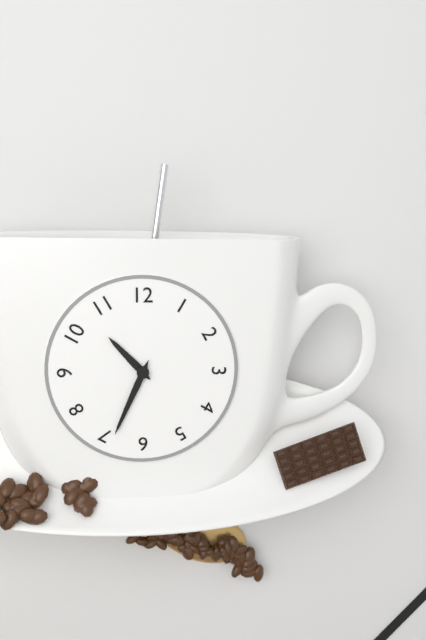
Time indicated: 10:34
